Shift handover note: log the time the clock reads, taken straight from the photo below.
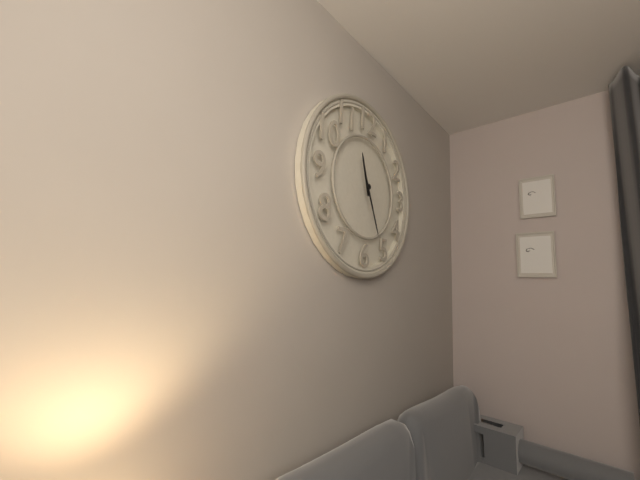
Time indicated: 11:26
